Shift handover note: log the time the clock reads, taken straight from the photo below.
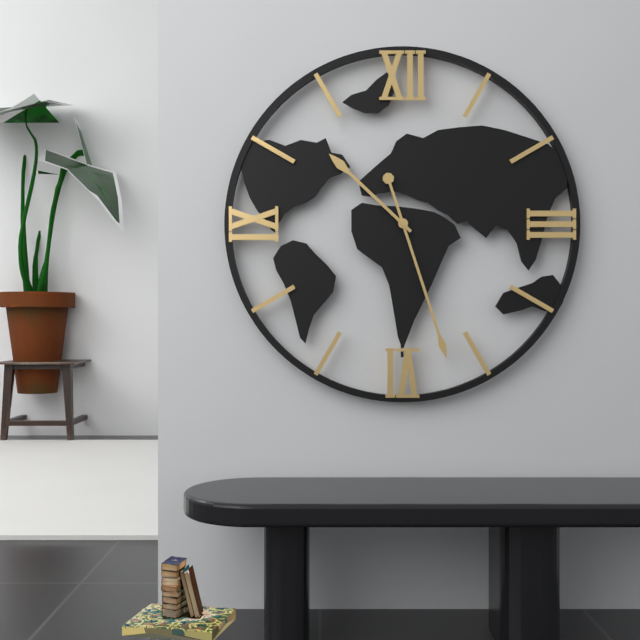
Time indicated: 10:27
